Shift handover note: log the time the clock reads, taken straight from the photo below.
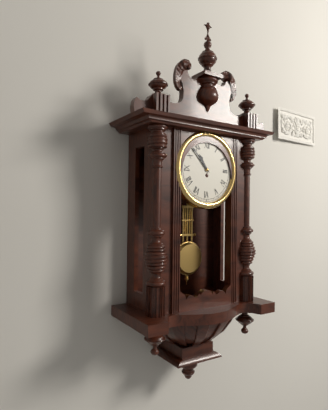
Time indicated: 10:53
